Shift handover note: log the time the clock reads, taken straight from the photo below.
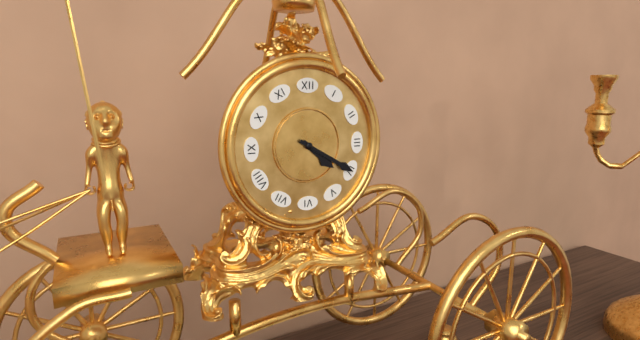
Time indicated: 4:20
